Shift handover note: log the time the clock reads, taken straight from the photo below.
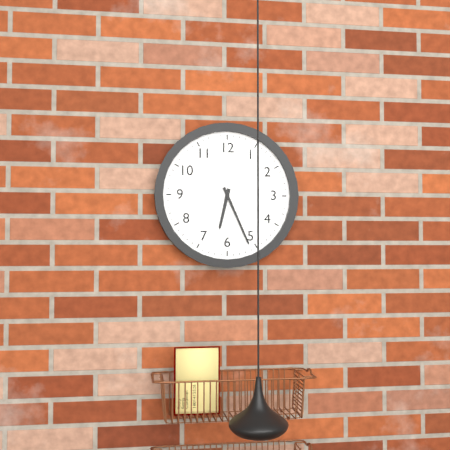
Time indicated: 6:26
